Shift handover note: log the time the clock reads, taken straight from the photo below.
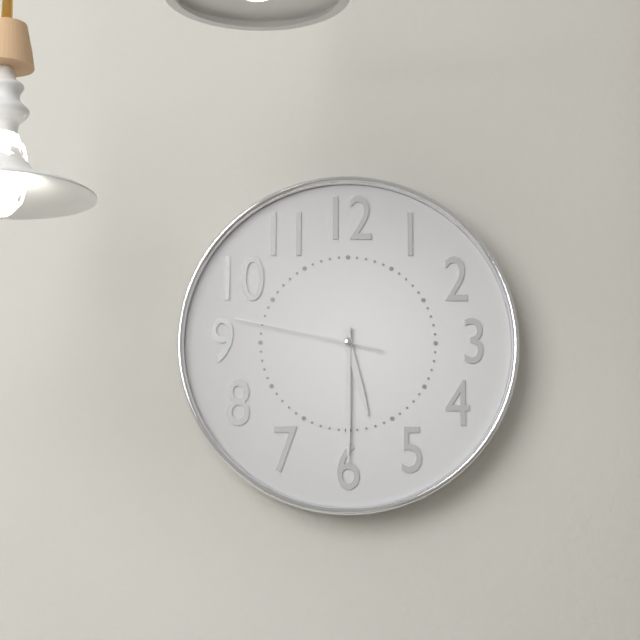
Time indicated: 5:30:47
